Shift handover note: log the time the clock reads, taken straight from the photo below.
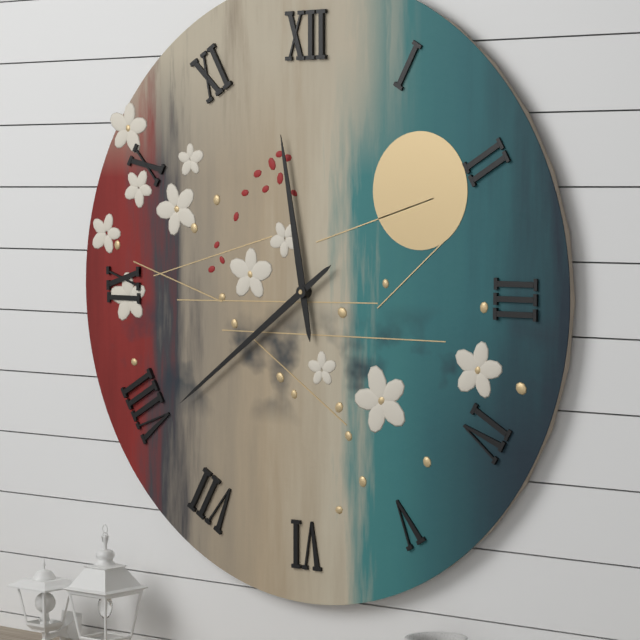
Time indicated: 11:39
